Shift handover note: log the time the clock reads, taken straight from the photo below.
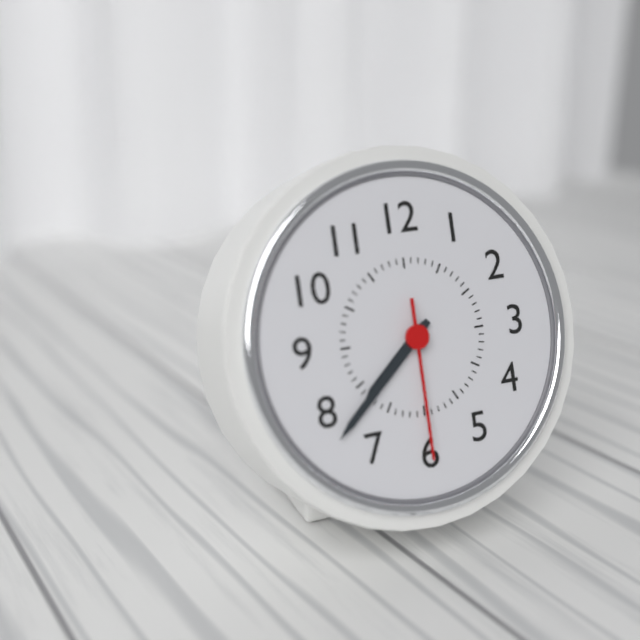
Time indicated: 7:38:30
